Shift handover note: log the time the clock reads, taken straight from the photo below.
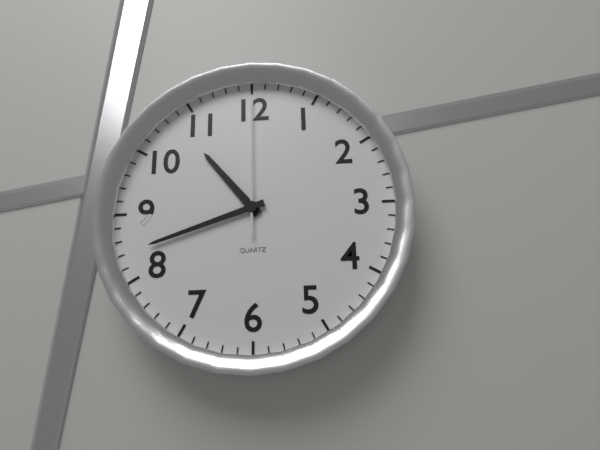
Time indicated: 10:42:00
